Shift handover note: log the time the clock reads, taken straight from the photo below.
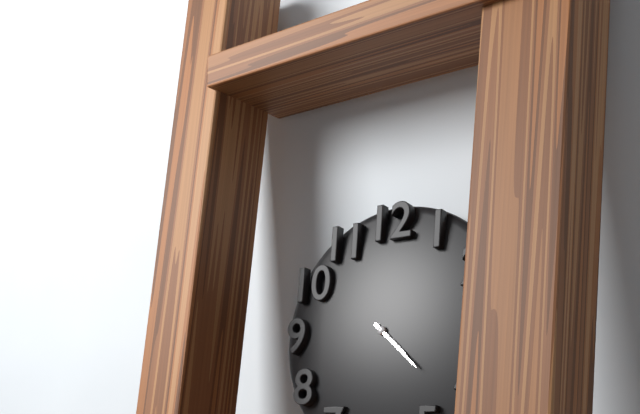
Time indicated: 4:22
